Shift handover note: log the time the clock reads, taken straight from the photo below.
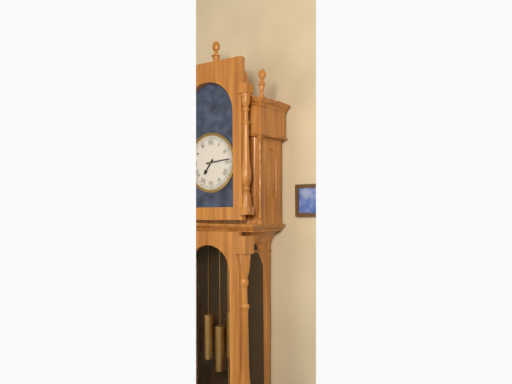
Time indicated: 7:14
